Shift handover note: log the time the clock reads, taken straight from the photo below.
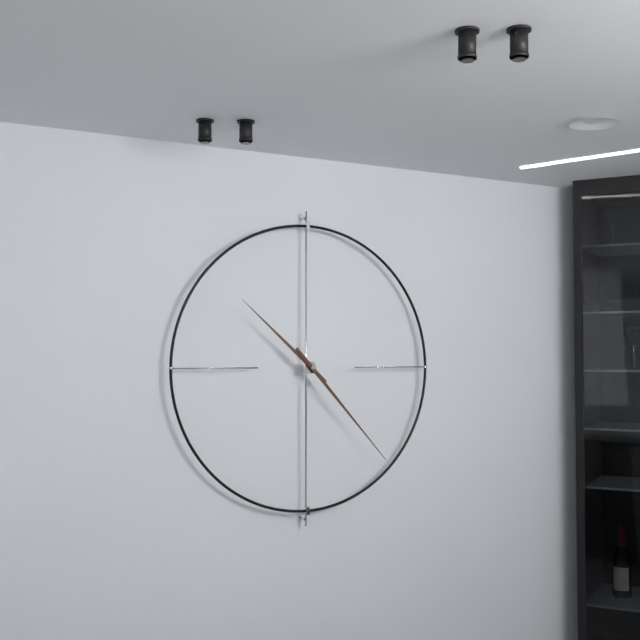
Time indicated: 10:23
